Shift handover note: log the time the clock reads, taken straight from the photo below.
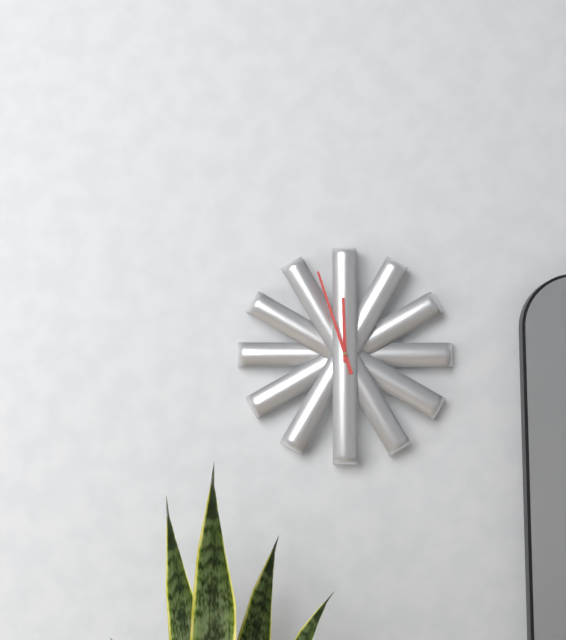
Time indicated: 11:57
